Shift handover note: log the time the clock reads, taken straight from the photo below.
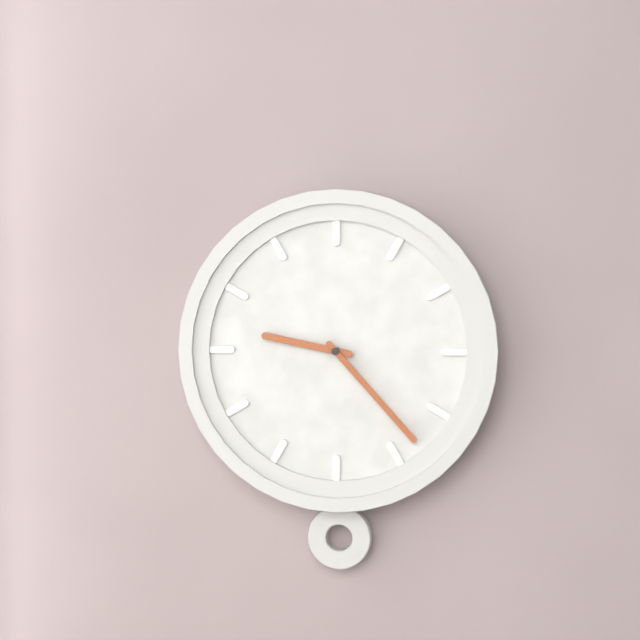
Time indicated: 9:23
